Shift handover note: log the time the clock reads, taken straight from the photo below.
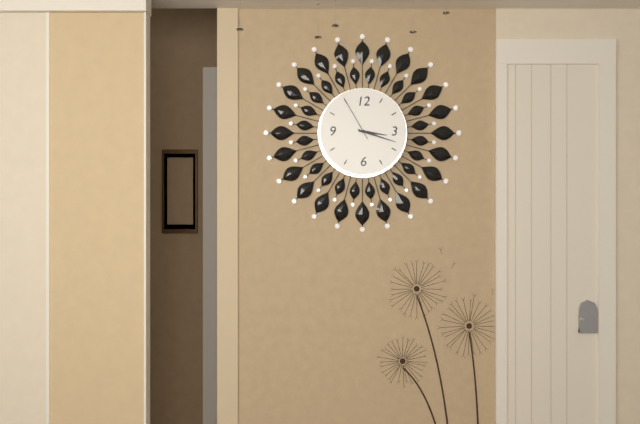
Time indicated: 3:18
